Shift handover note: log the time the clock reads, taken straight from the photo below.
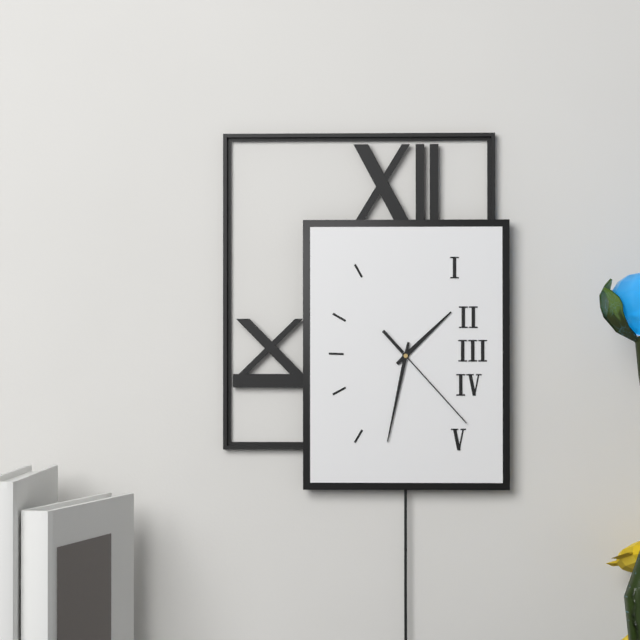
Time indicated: 1:32:23
